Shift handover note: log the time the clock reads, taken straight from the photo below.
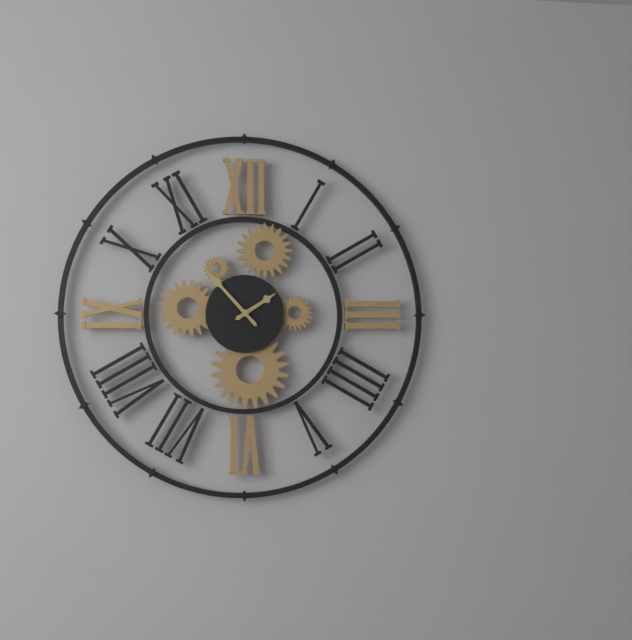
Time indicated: 1:53
